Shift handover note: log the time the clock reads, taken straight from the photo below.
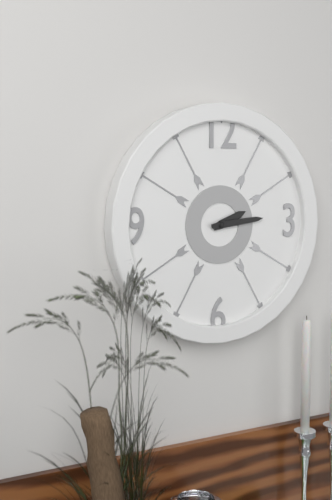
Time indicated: 2:14
